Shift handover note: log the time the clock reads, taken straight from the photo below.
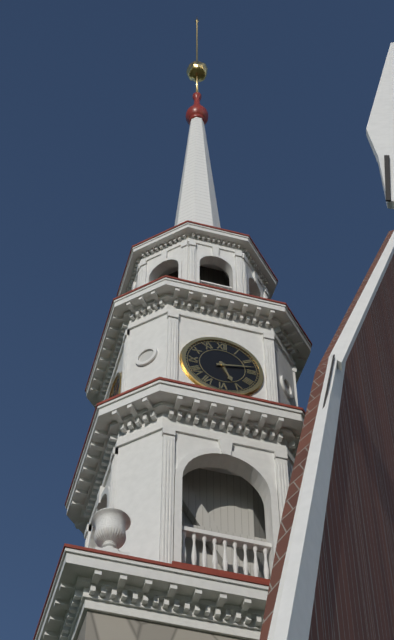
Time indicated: 5:13
